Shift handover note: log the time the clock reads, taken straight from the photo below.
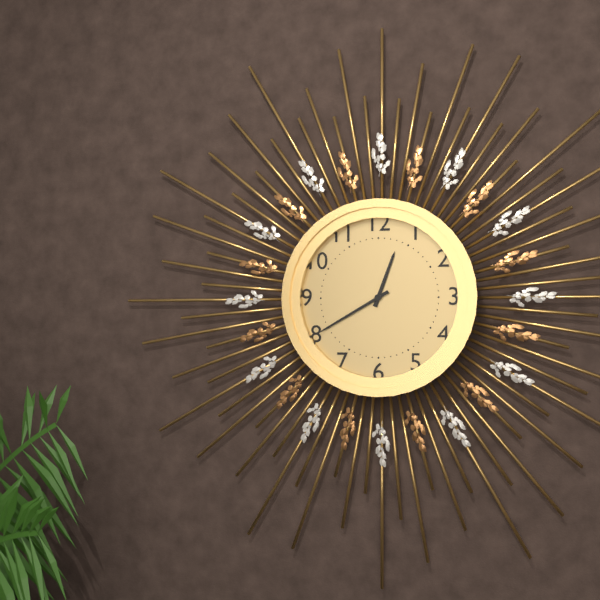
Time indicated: 12:40
